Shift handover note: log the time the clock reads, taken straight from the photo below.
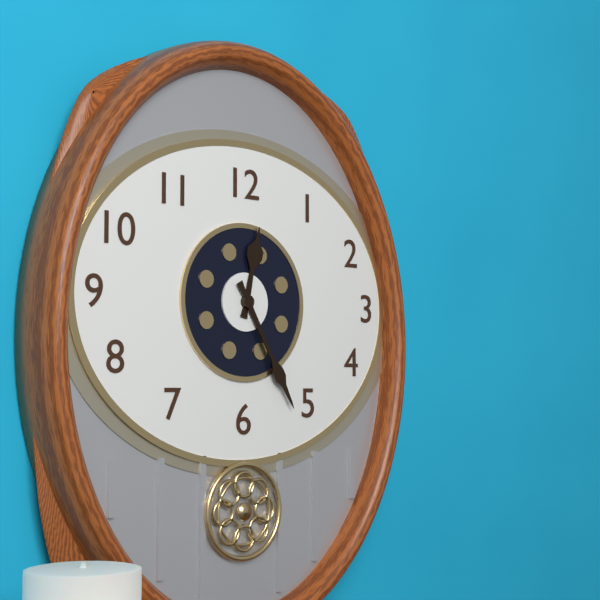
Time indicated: 12:25
